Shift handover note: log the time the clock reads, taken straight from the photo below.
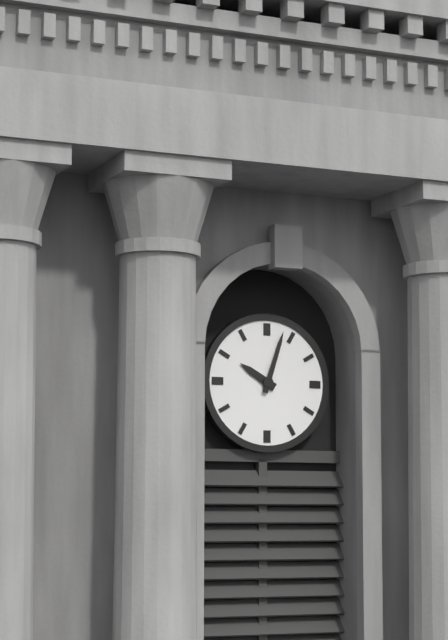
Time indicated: 10:03
